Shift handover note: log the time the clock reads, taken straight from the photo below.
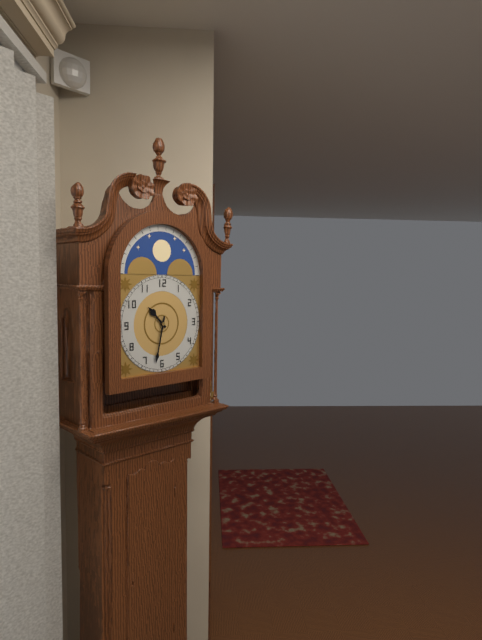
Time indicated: 10:32
